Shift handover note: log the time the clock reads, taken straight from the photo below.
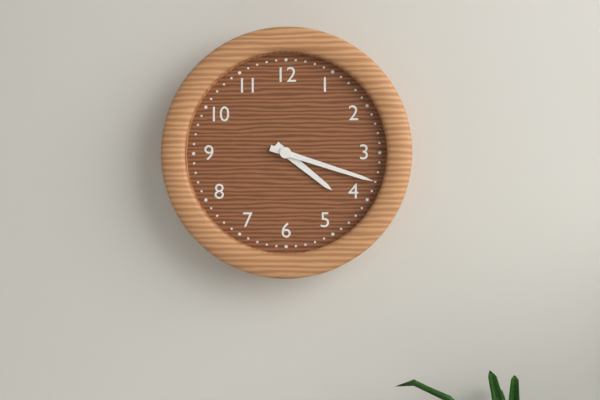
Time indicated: 4:18
